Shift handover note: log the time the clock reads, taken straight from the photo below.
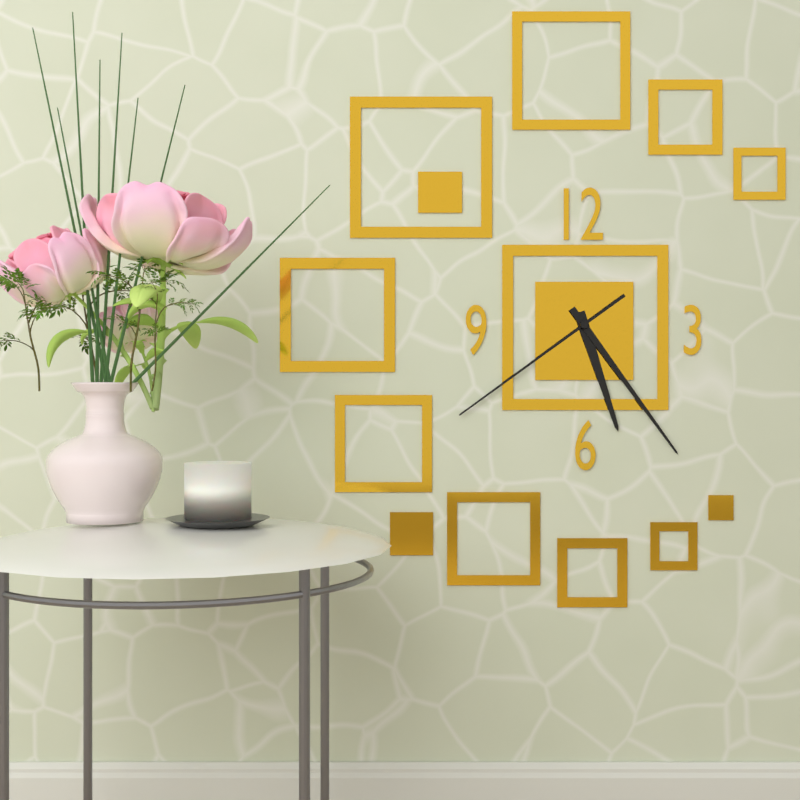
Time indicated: 5:24:39
